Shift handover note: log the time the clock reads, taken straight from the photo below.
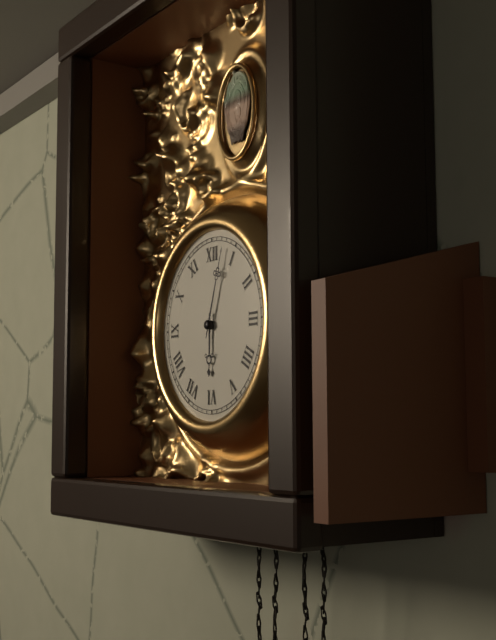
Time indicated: 6:03
